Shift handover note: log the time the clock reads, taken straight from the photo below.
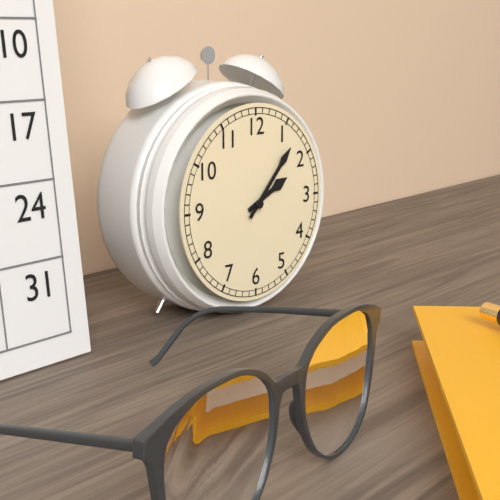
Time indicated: 2:07
